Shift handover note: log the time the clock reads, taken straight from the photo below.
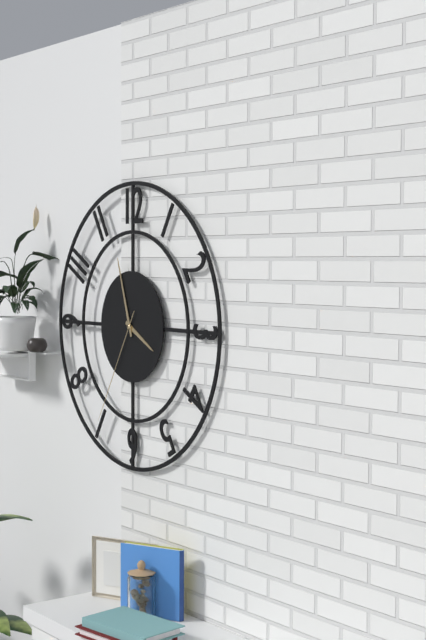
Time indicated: 3:57:35
